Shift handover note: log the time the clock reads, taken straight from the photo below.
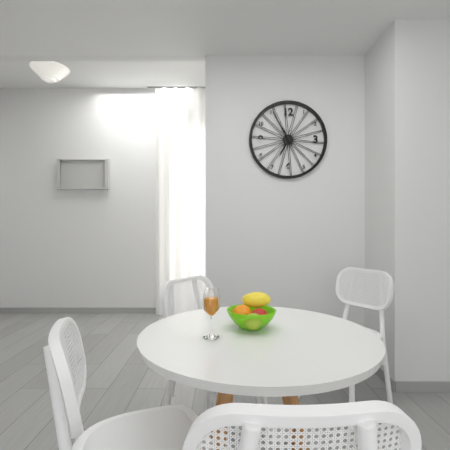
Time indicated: 6:55
